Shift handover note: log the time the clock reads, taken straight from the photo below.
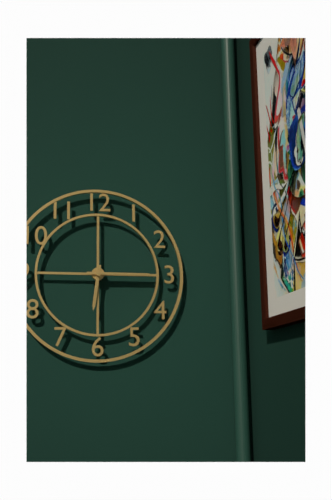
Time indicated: 6:15
